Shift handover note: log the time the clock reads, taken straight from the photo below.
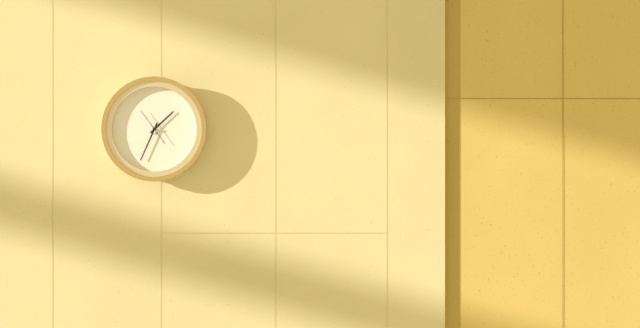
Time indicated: 1:34
